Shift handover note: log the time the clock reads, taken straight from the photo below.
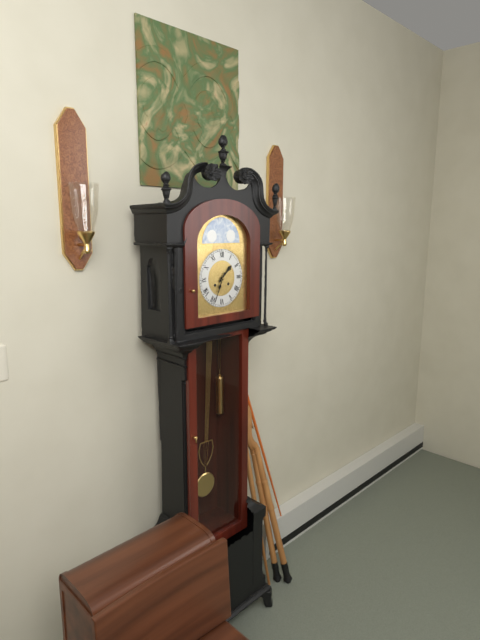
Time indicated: 1:34
